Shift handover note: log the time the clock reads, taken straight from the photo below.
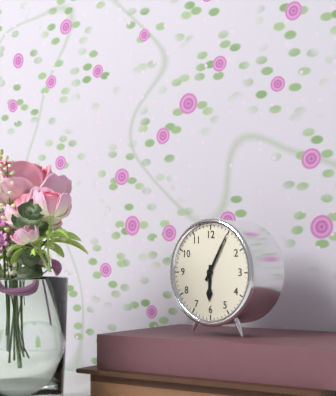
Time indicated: 6:05
